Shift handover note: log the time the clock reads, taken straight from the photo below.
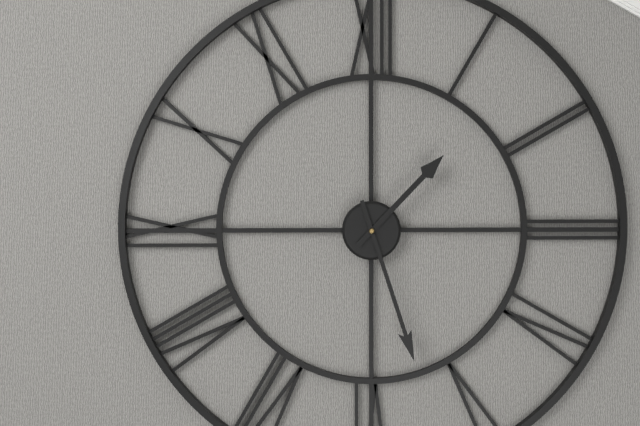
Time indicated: 1:27
